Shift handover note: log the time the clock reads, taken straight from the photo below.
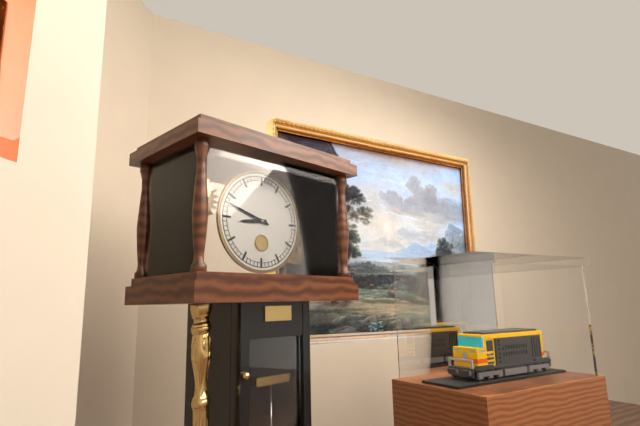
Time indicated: 8:48
